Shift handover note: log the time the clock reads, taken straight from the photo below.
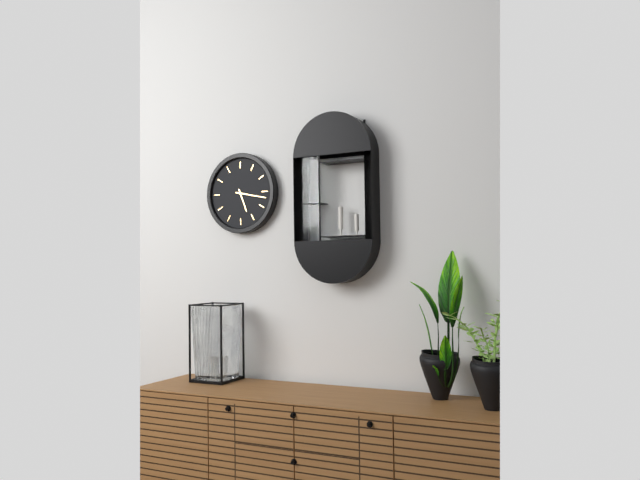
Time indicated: 5:17
